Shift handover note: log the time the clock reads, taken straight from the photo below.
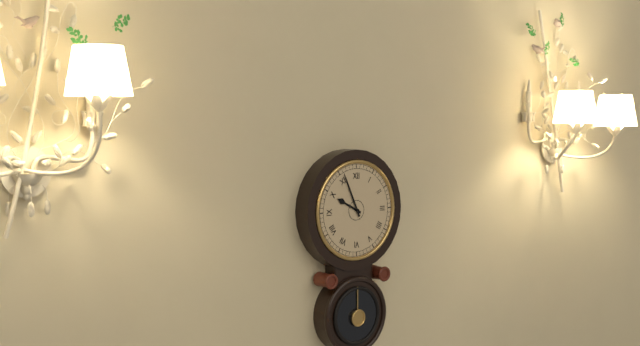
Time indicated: 9:56
